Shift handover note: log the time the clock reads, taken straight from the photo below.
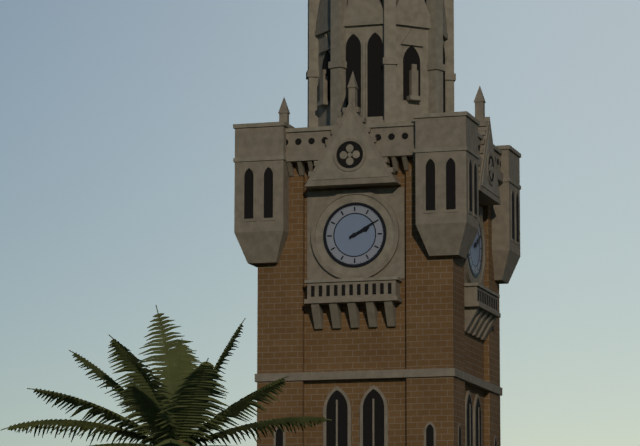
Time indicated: 2:10
